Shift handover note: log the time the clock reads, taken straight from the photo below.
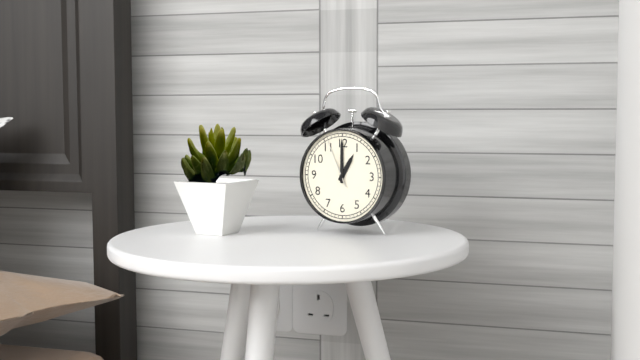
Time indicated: 1:00
